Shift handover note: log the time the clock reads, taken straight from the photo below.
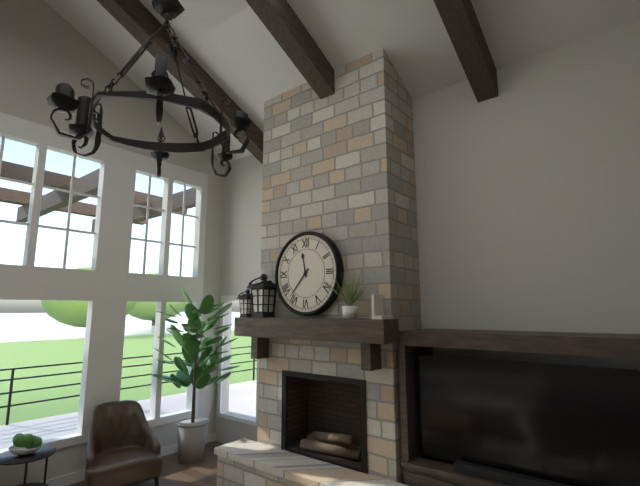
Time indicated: 11:37
